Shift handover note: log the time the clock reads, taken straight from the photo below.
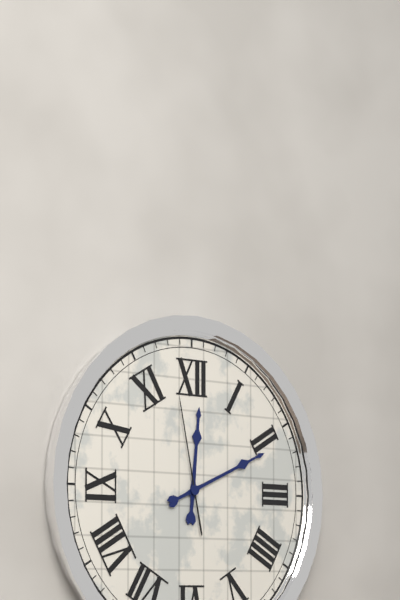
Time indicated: 12:11:58
